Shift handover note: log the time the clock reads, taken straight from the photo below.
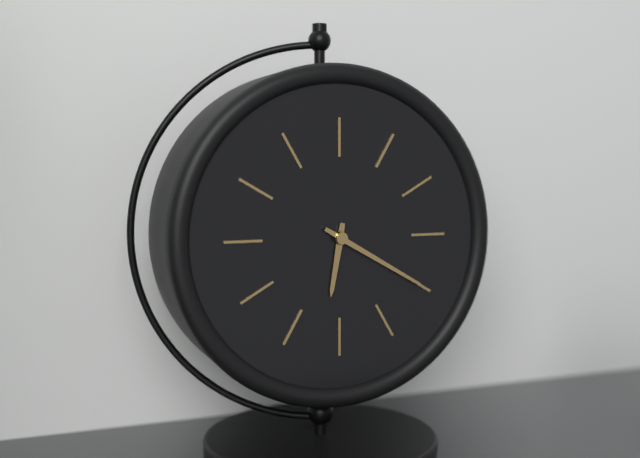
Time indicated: 6:20
